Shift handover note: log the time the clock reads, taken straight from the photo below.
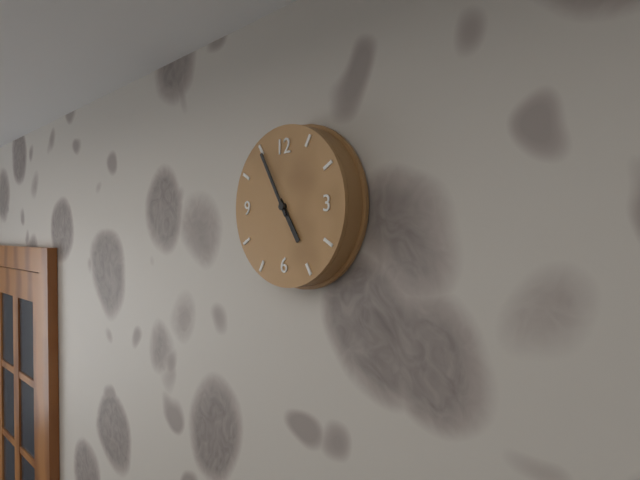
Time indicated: 4:55
